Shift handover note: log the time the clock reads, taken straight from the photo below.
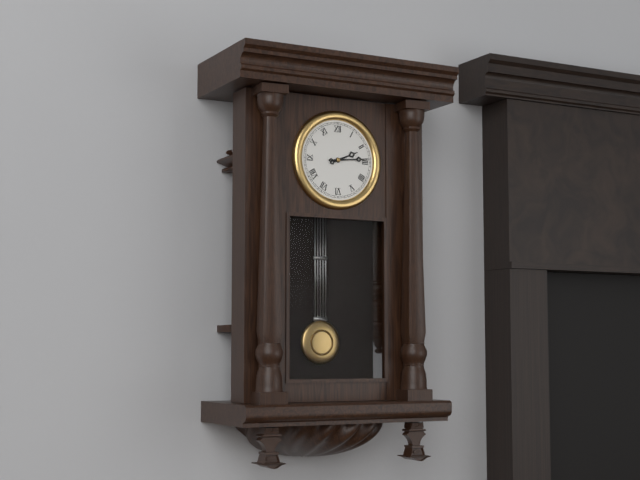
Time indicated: 2:14
